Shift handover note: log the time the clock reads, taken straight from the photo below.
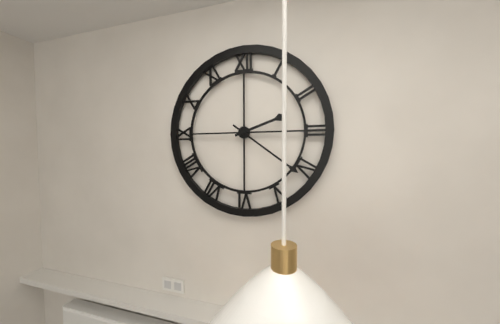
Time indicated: 2:21
